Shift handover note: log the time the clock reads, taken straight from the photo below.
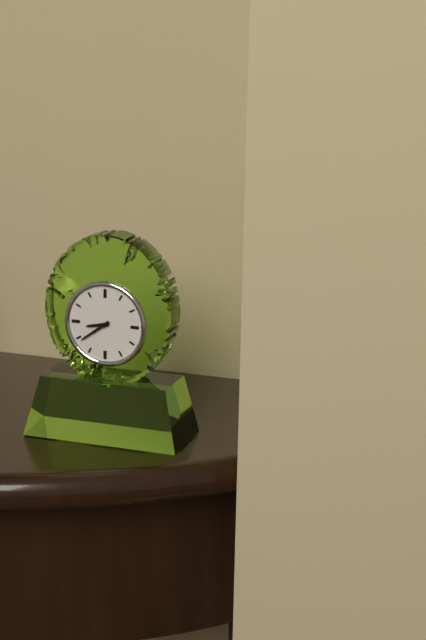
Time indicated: 8:39
